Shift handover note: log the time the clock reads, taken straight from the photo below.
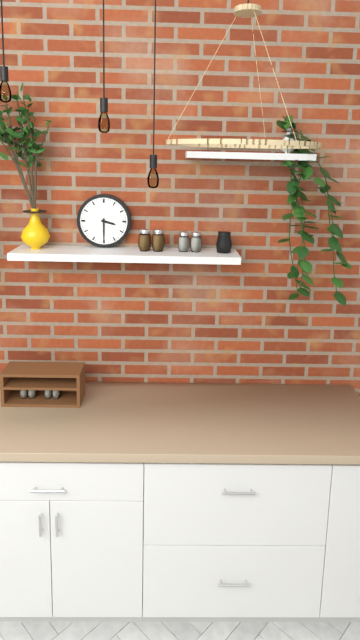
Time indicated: 3:30
